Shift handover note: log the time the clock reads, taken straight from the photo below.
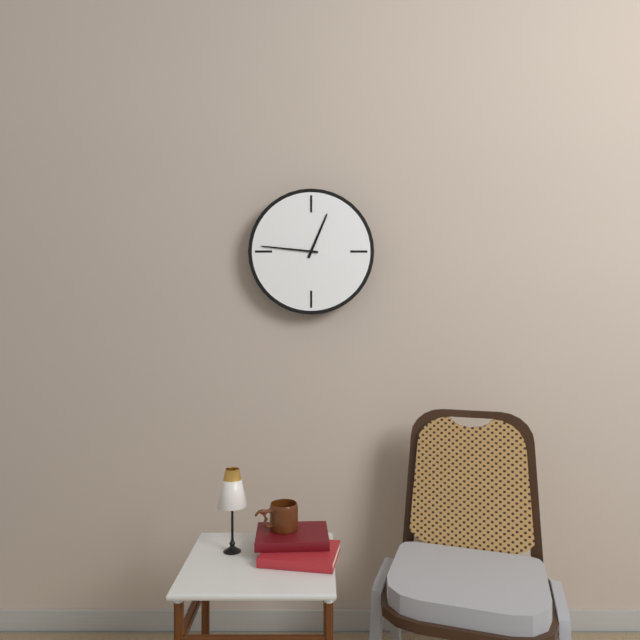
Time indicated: 12:46
